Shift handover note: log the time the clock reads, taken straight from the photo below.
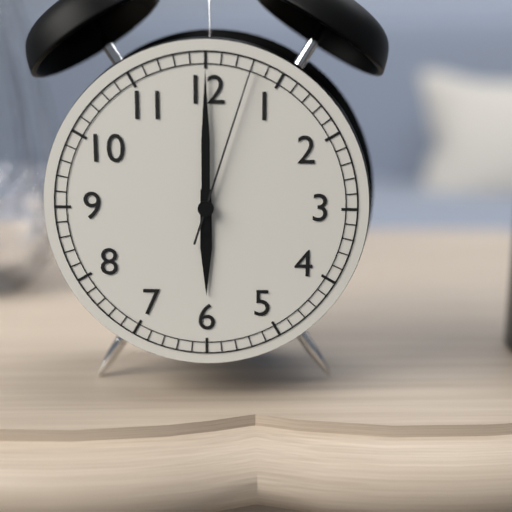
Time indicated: 6:00:03
